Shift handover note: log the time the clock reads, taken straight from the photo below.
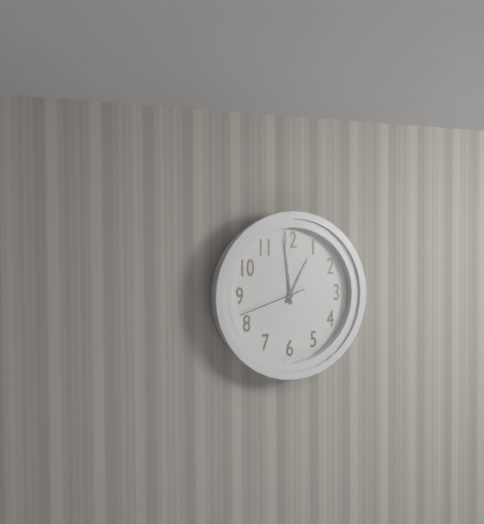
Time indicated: 12:59:42
